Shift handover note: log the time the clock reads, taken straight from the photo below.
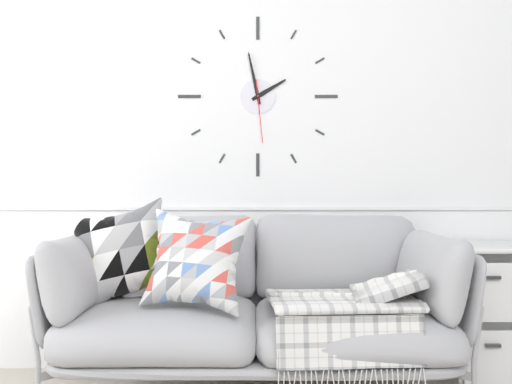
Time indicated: 1:58:29
